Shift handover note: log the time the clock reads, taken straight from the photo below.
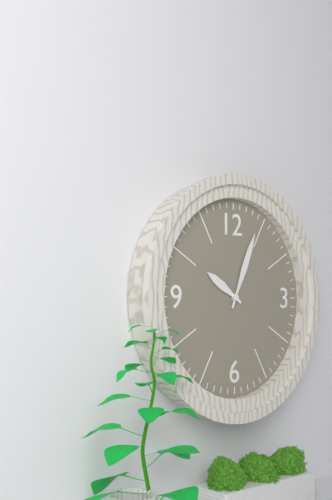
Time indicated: 10:04
